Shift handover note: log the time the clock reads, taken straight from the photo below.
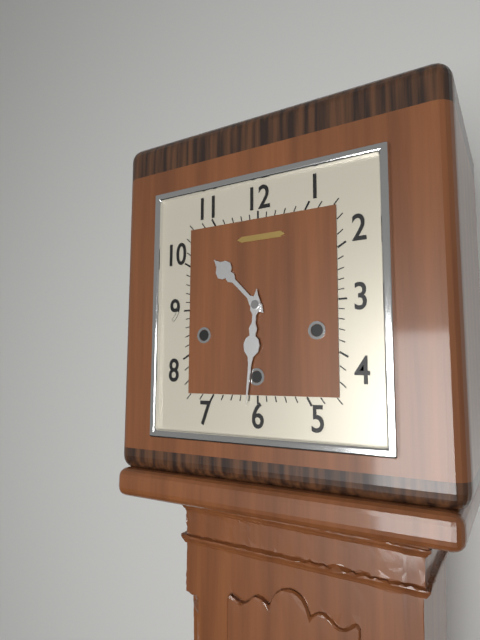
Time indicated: 10:31
